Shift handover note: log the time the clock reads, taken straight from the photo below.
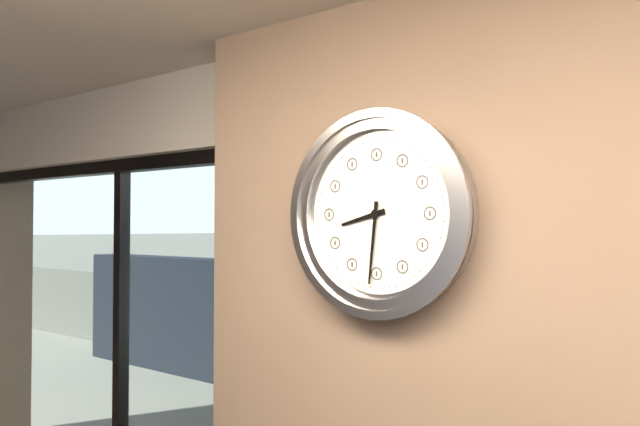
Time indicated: 8:31
